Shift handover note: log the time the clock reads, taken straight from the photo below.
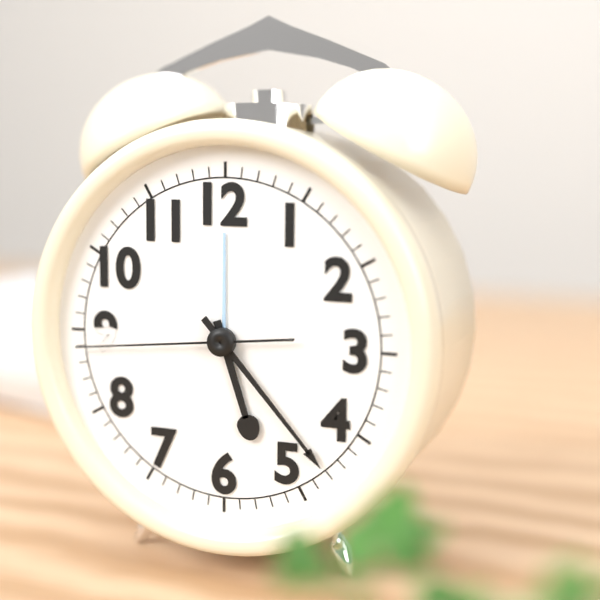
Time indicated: 5:23:44
